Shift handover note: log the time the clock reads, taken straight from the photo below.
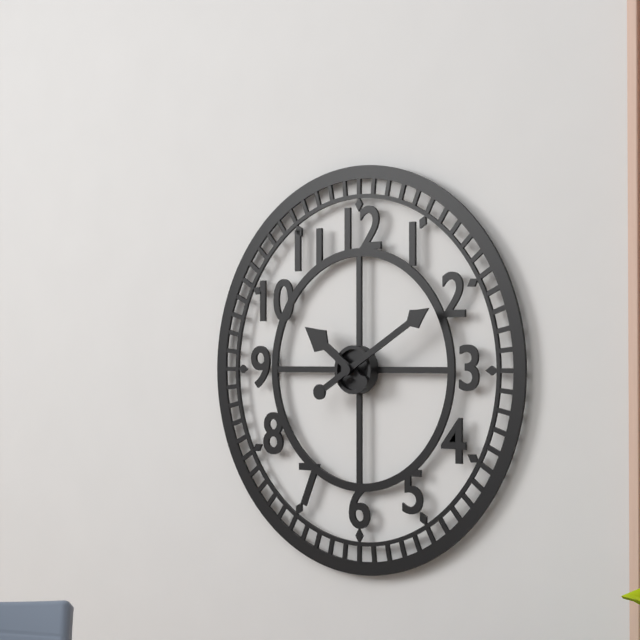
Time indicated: 10:10
